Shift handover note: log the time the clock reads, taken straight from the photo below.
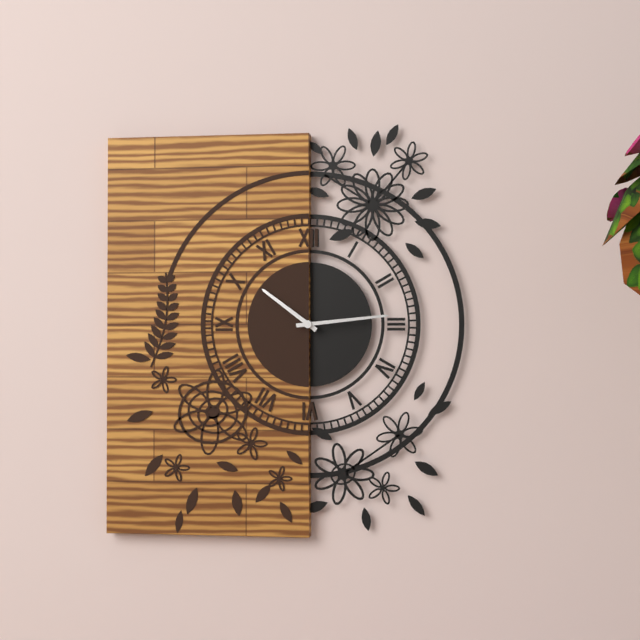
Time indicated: 10:14
